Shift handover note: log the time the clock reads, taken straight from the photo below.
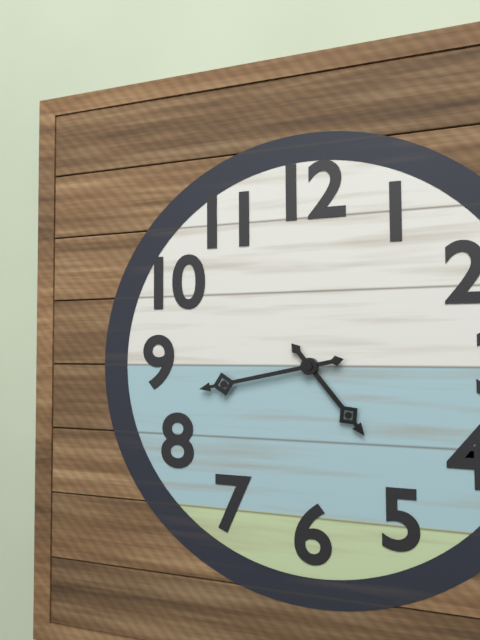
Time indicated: 4:43
